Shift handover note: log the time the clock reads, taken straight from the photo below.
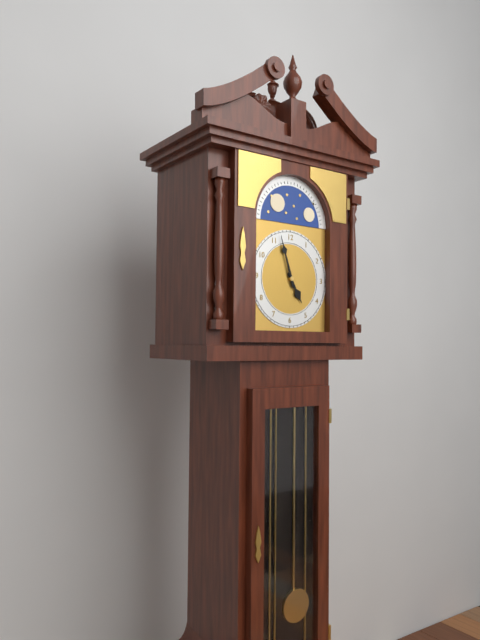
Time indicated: 4:57
